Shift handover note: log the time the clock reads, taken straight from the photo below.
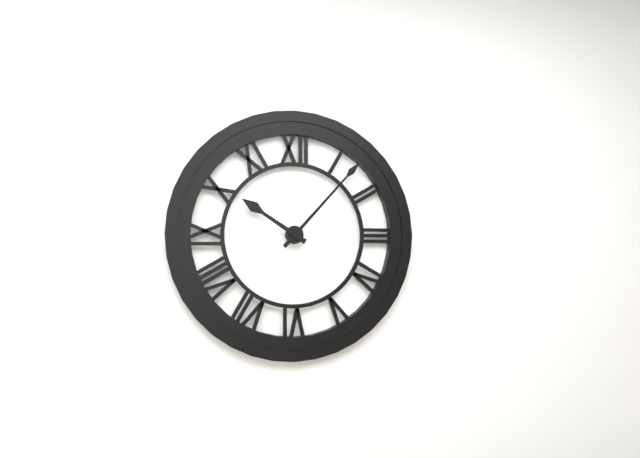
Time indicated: 10:07
